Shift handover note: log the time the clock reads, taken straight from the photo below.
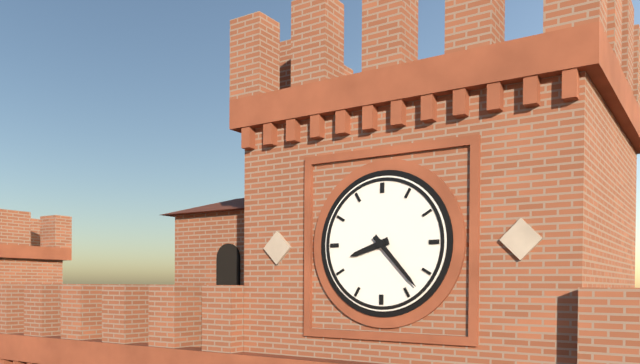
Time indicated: 8:23
